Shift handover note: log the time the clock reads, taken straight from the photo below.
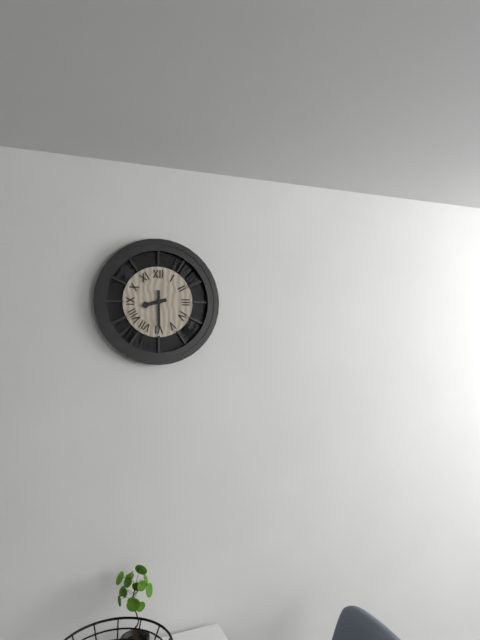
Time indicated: 8:30
